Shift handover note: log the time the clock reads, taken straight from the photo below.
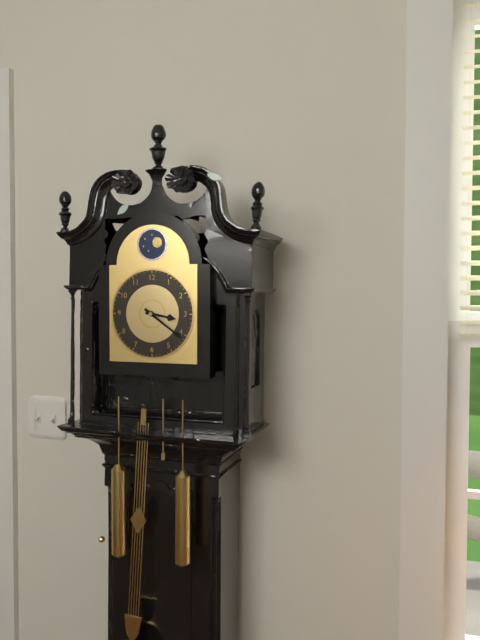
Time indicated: 3:21
